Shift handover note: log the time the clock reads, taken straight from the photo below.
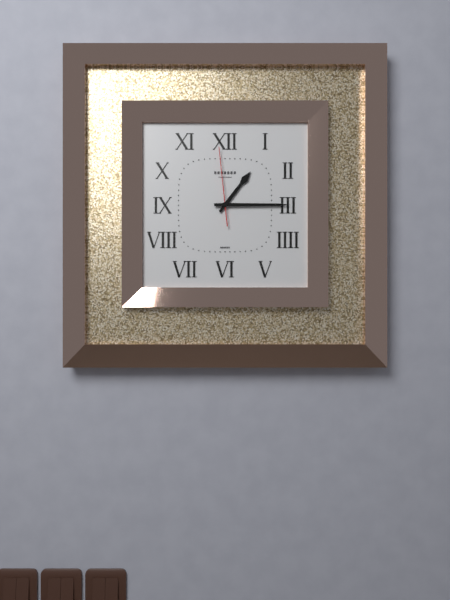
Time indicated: 1:15:59
